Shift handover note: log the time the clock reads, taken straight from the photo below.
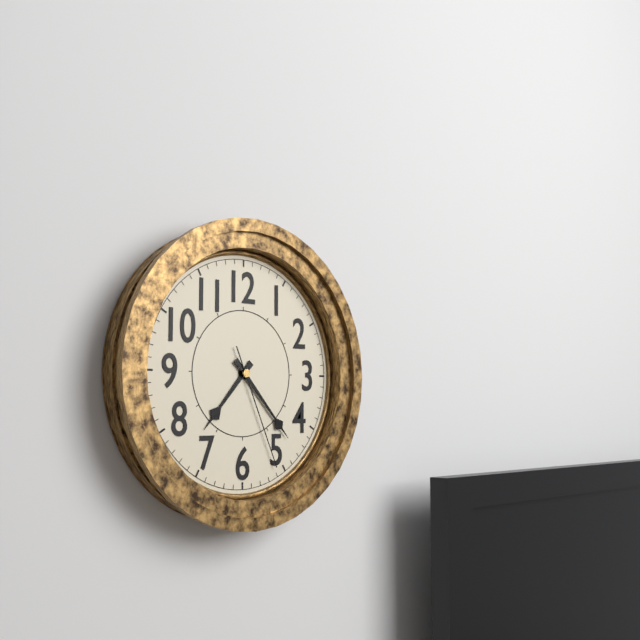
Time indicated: 7:23:26
